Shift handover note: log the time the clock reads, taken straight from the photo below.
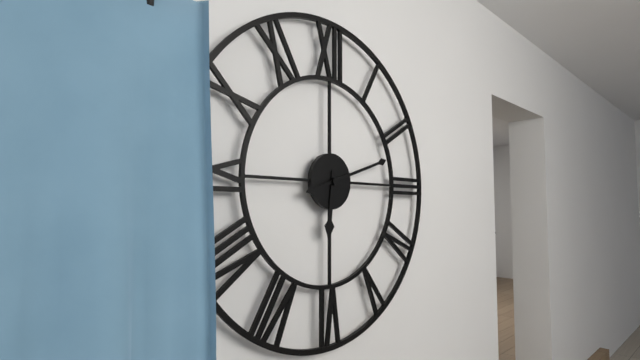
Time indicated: 6:12
